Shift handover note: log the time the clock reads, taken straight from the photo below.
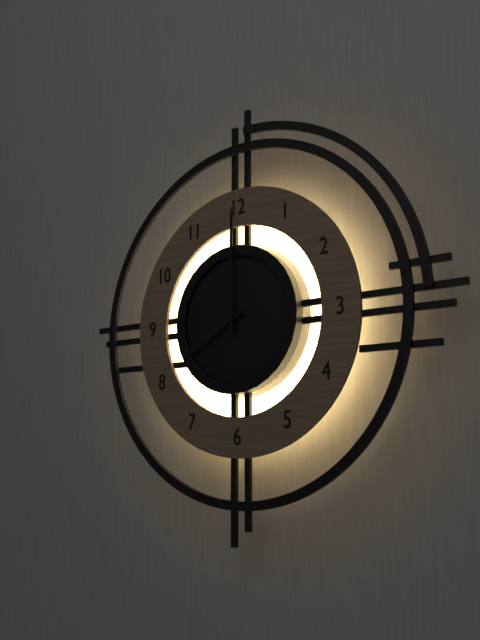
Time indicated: 8:00
